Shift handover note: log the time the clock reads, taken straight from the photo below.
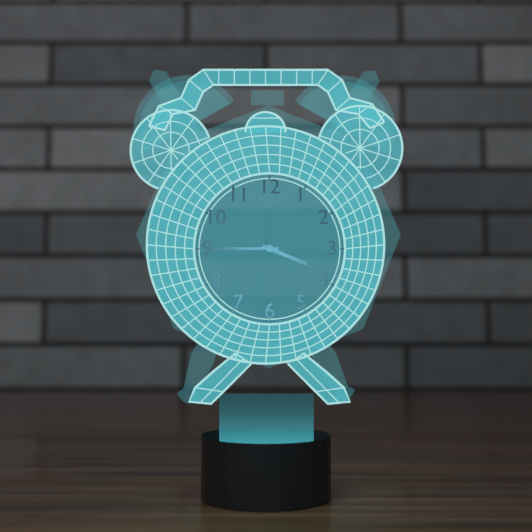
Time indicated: 3:45
